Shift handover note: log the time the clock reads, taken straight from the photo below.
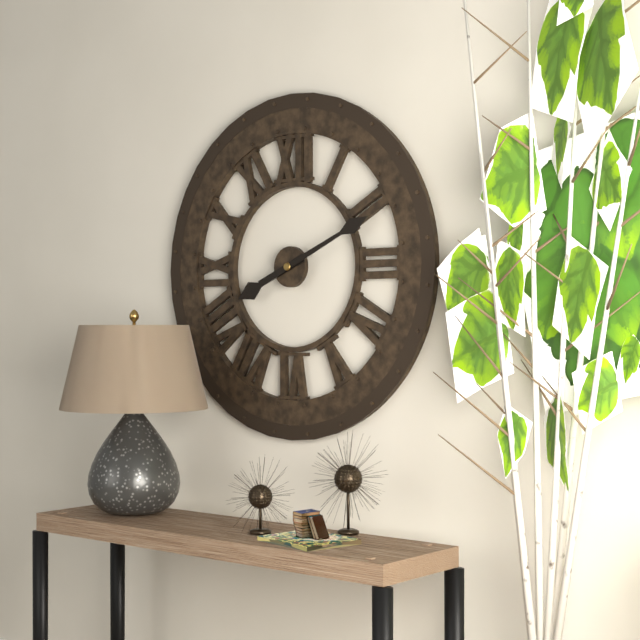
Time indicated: 8:11
